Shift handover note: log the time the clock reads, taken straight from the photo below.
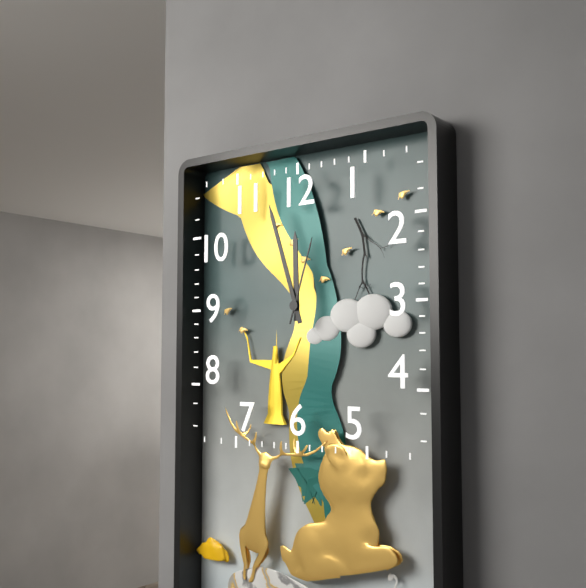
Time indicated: 11:57:03
